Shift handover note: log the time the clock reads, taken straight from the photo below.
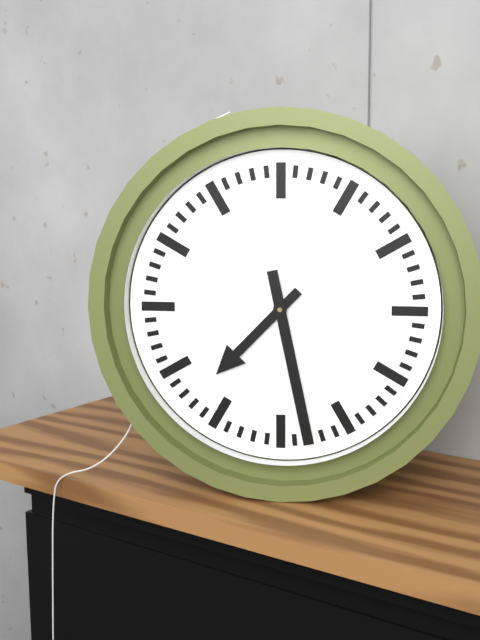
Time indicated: 7:28
